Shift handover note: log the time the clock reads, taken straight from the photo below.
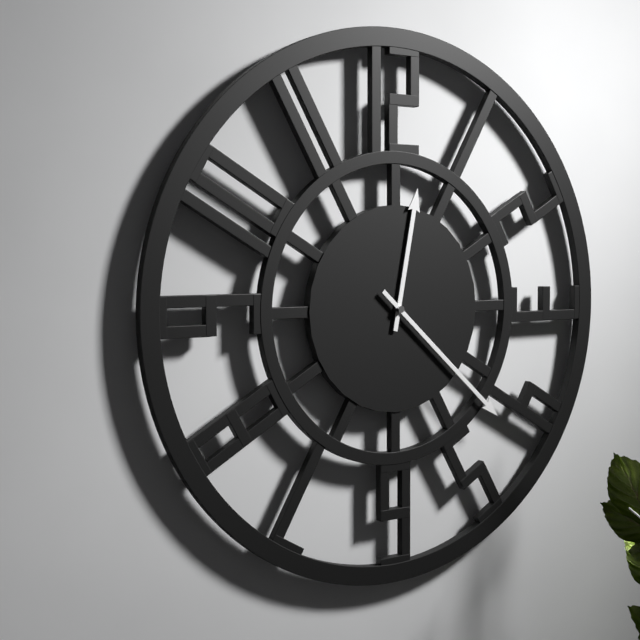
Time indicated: 12:22
